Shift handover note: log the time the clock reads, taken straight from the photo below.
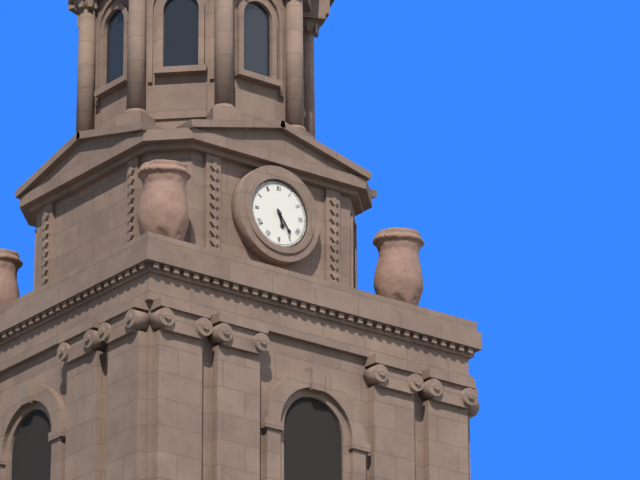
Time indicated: 5:24
